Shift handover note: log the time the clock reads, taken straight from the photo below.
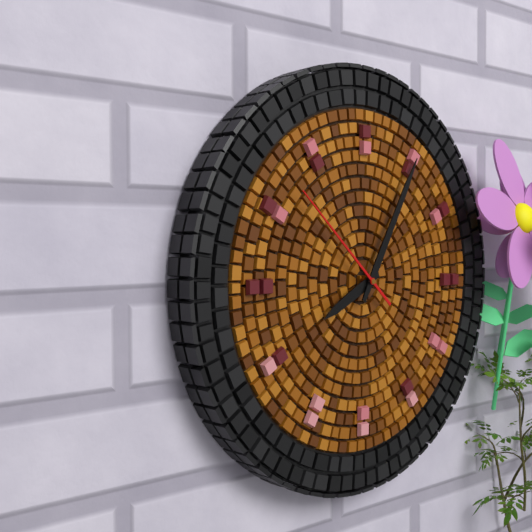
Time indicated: 8:05:52
